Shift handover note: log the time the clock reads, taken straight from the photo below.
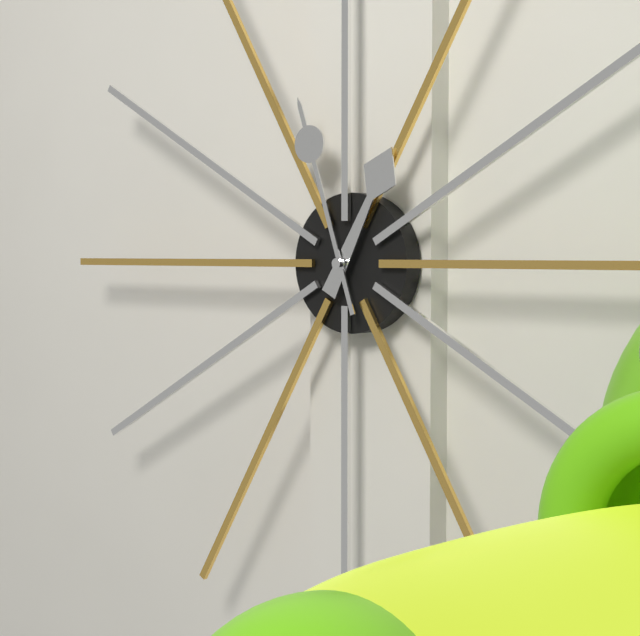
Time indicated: 12:57
